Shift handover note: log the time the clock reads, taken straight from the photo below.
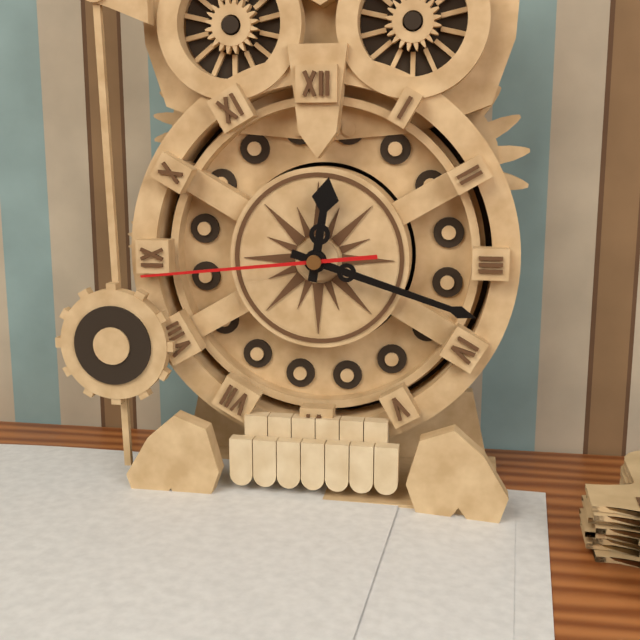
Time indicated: 12:18:44
